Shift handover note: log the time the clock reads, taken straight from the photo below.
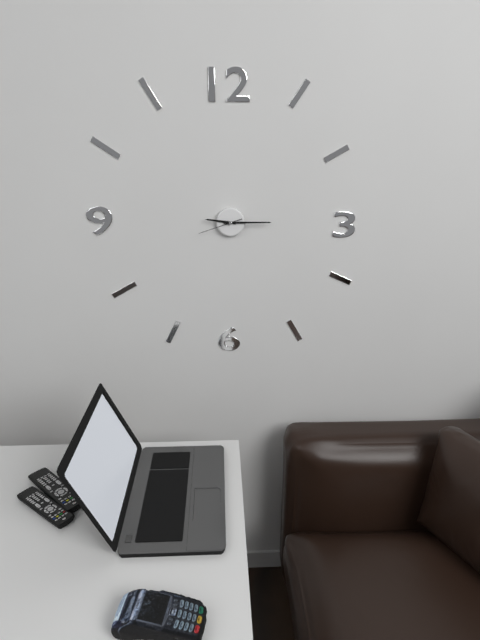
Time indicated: 9:15
